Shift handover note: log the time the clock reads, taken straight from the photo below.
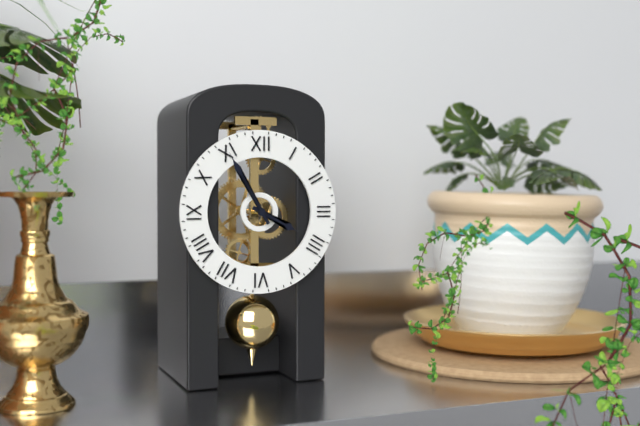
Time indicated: 3:55
